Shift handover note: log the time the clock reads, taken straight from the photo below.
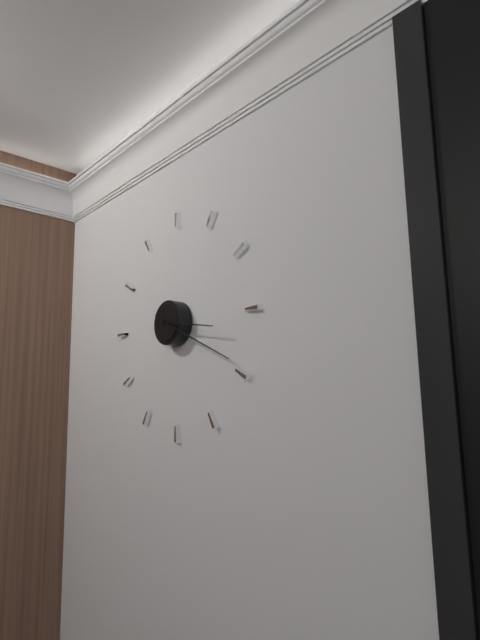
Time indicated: 3:19
